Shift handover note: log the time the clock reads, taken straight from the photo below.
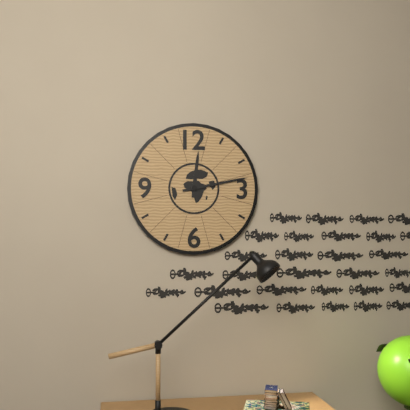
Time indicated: 12:13
